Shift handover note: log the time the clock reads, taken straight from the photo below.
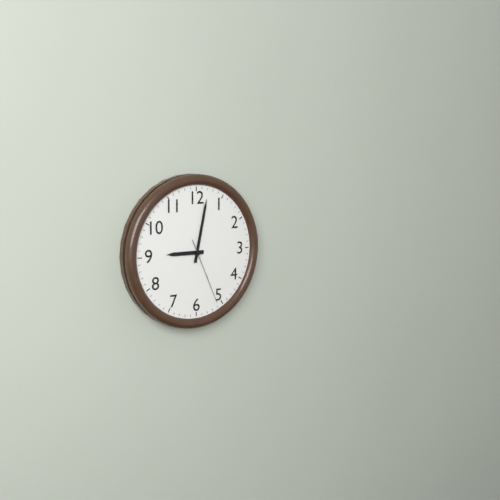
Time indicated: 9:02:26
